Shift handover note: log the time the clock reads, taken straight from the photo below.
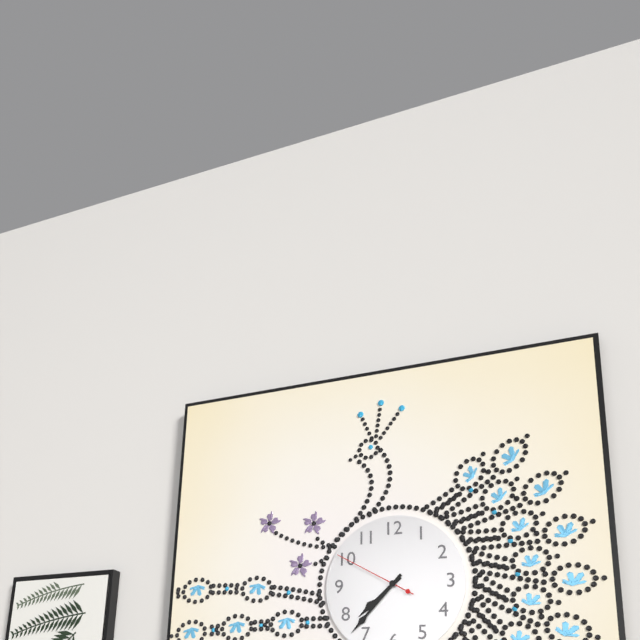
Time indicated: 7:37:50
